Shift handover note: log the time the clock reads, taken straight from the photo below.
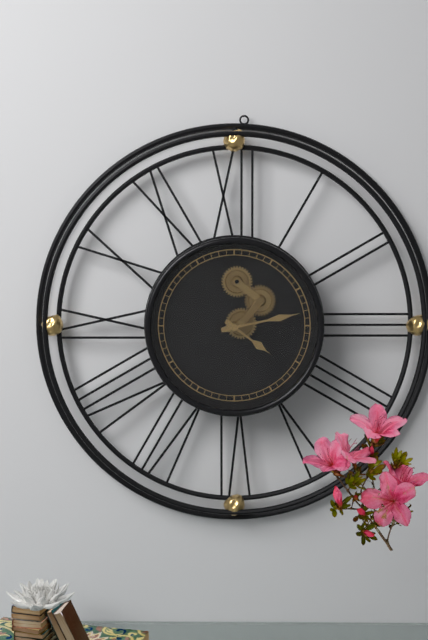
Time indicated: 4:13
